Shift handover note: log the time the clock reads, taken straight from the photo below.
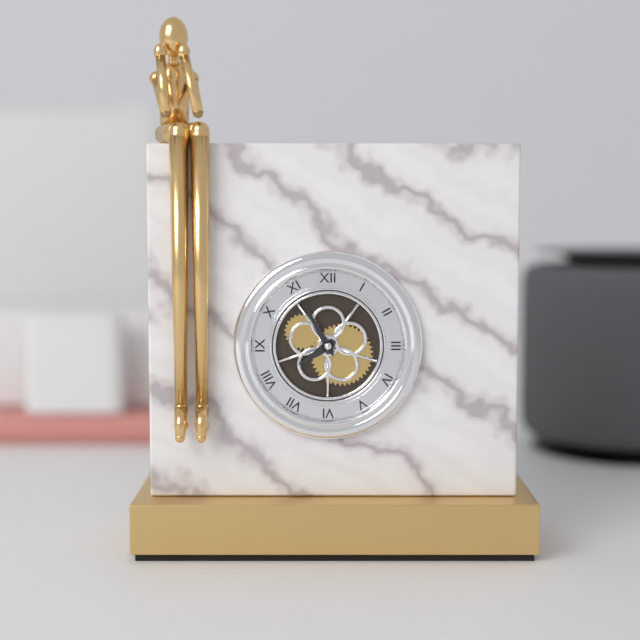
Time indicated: 7:55
